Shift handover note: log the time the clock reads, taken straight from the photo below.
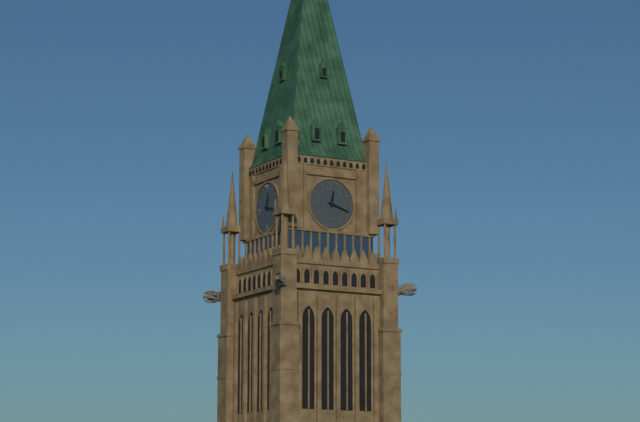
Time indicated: 12:18
